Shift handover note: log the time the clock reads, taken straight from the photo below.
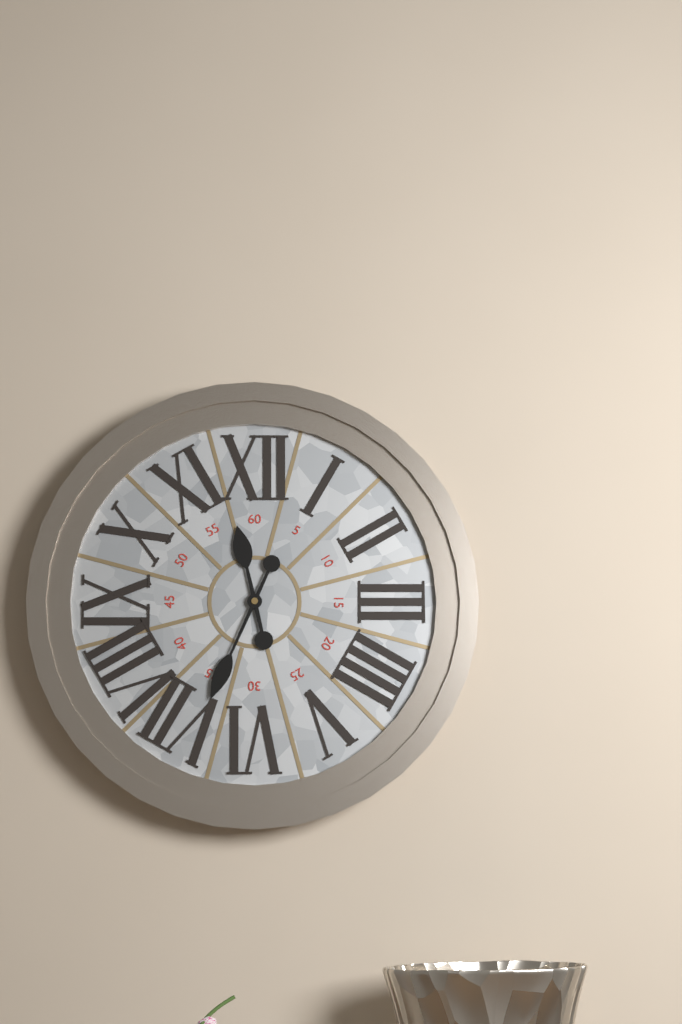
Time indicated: 11:34
